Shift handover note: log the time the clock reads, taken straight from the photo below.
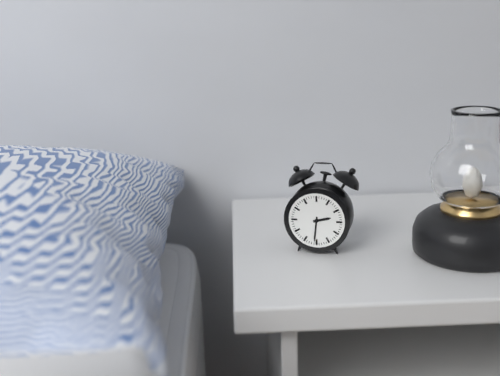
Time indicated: 2:31
